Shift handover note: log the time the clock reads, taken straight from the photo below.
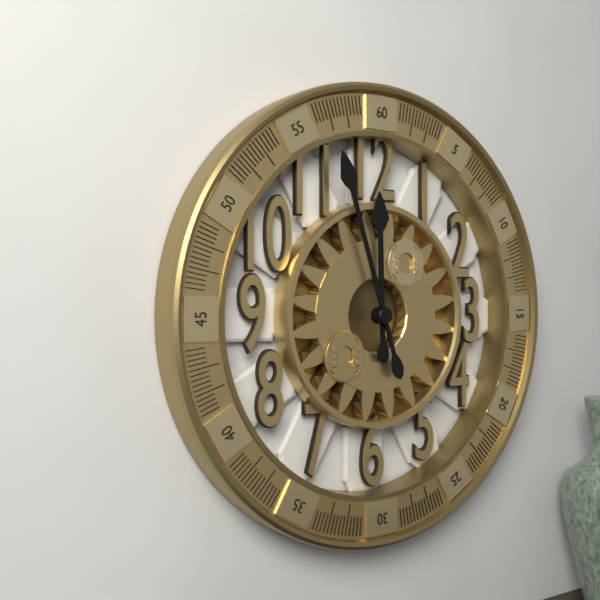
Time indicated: 11:57
